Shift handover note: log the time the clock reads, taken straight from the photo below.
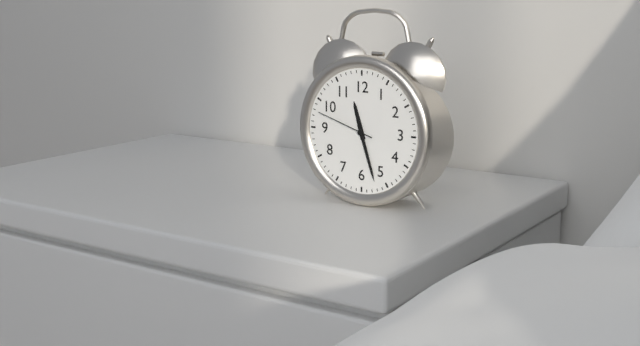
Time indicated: 11:27:48
